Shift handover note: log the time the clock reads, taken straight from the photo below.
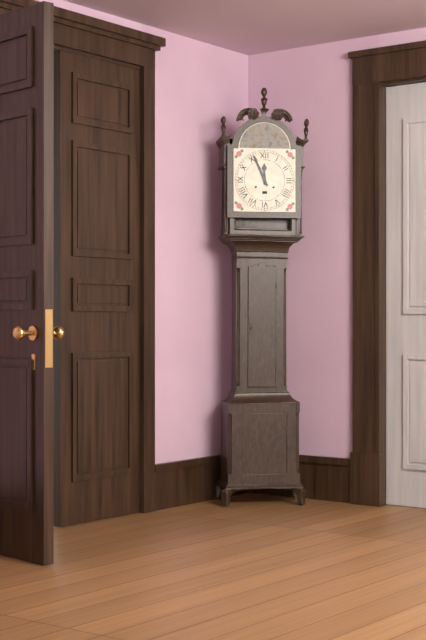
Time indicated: 11:56
